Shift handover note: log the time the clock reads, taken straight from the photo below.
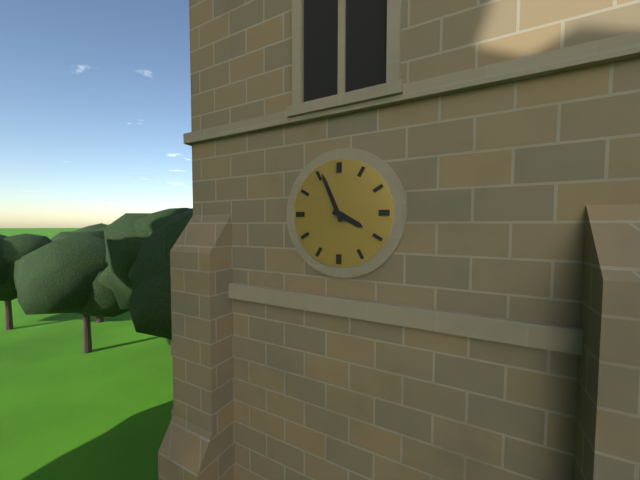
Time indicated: 3:56
